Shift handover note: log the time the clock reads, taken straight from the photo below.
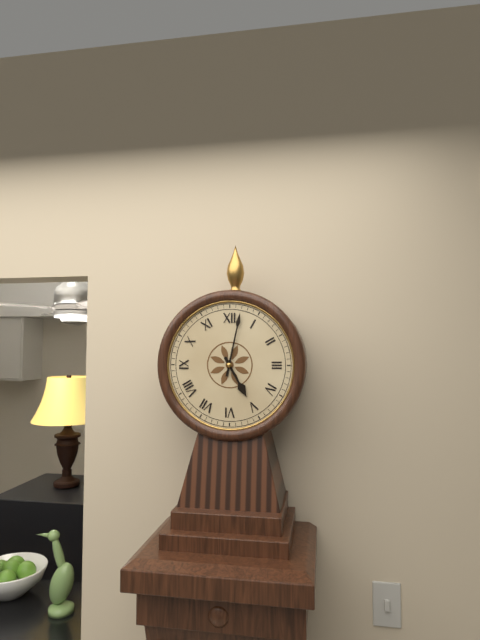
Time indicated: 5:02
